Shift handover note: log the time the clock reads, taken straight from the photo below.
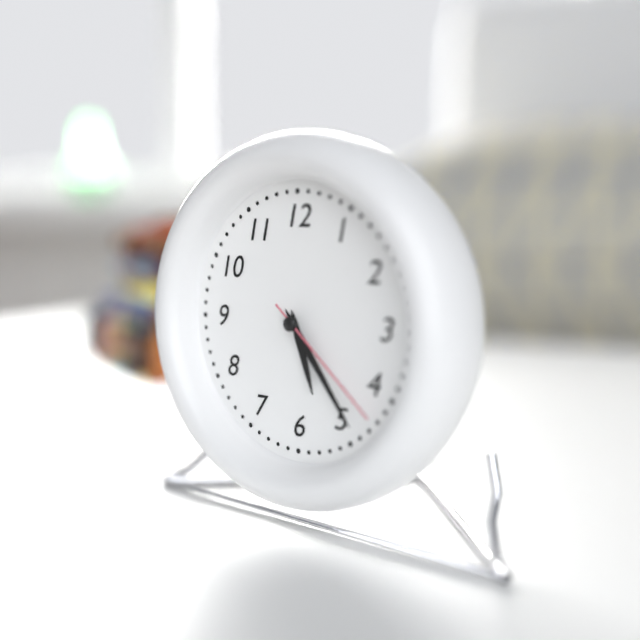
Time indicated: 5:24:22
